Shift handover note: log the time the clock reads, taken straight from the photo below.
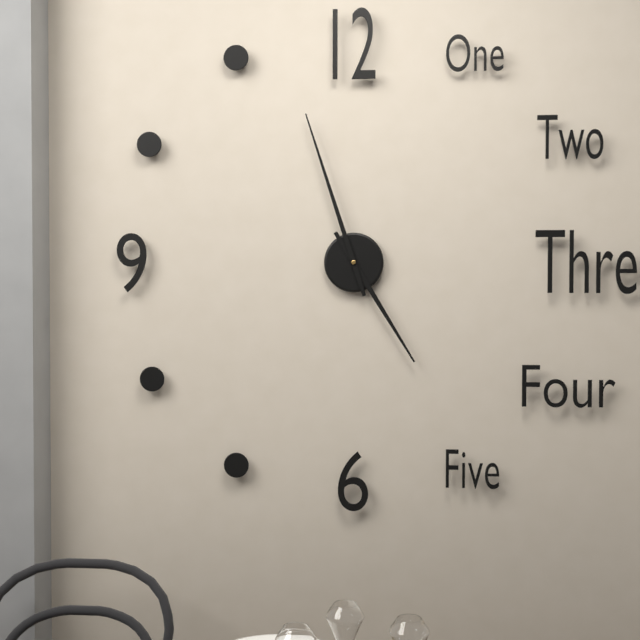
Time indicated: 4:57
